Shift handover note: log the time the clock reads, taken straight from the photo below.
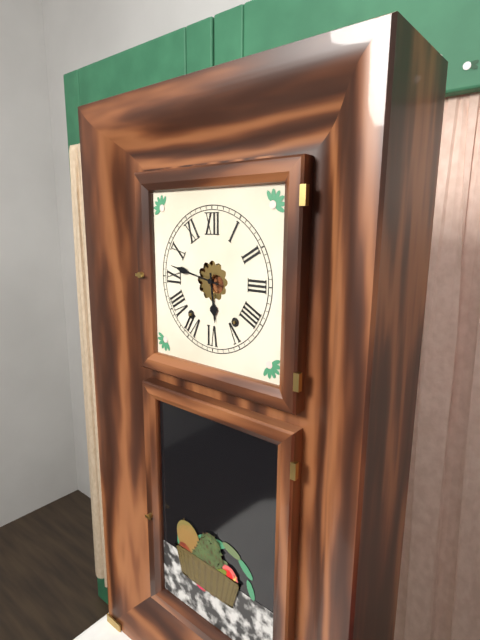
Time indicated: 5:47
